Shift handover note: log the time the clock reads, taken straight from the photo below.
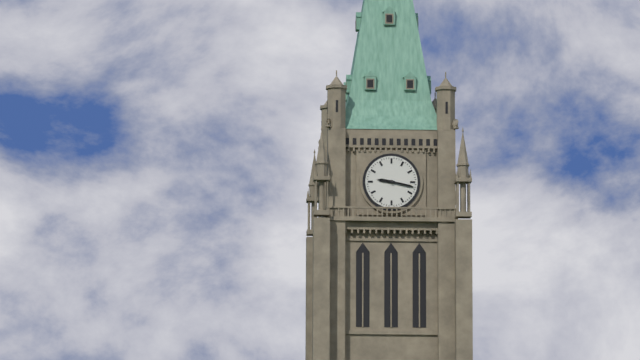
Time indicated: 9:17
